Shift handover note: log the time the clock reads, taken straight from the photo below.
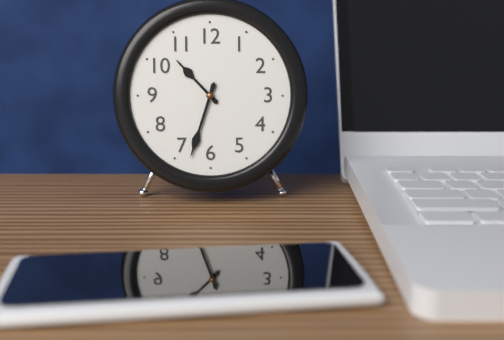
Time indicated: 10:33
